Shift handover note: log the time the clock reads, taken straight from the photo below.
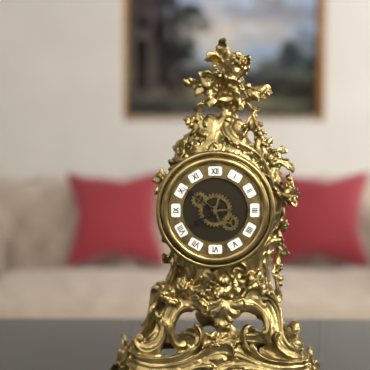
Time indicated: 7:51
